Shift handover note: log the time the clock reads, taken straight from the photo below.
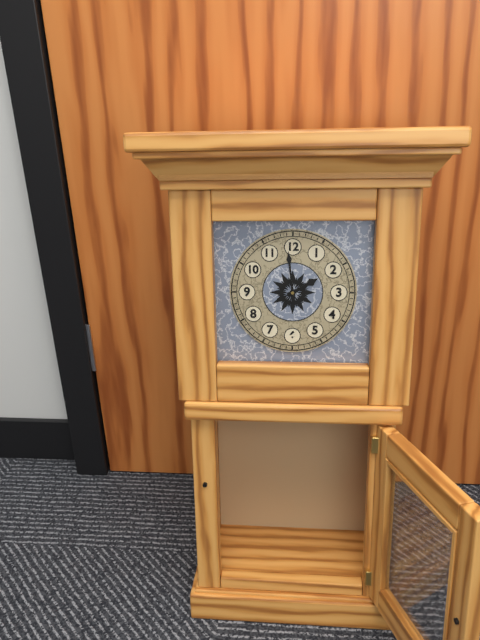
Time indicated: 1:59
